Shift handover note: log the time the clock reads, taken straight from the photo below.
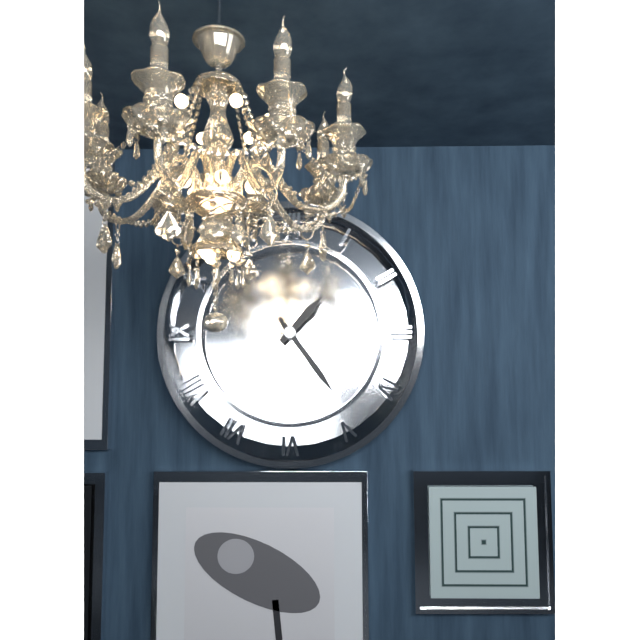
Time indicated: 1:24
